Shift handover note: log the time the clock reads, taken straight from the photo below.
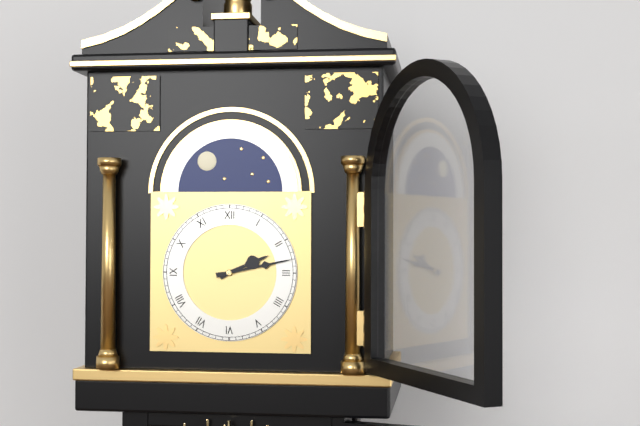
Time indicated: 2:13
